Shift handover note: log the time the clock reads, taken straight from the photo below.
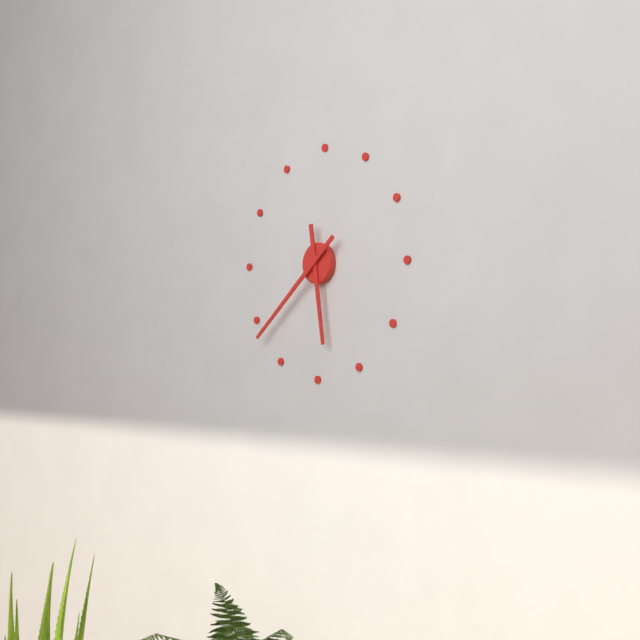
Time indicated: 5:38
